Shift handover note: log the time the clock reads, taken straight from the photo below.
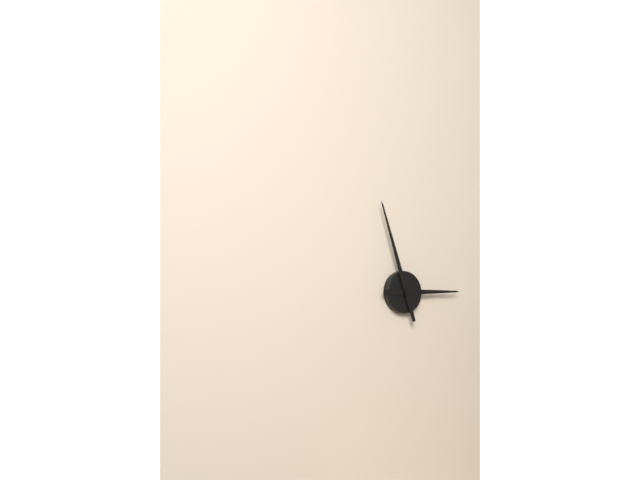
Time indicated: 2:57
